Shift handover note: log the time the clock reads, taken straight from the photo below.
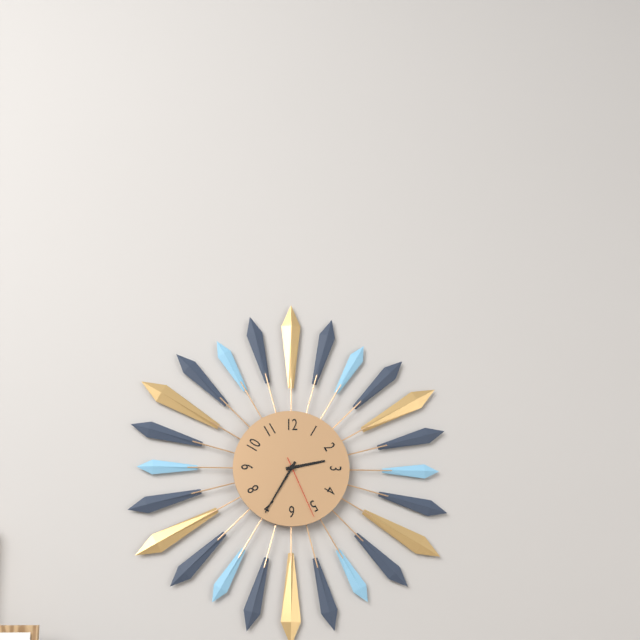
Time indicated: 2:35:26
